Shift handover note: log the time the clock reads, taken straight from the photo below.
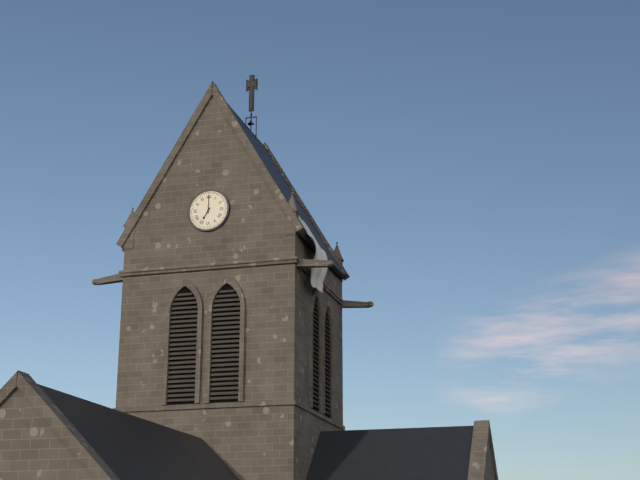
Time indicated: 7:00
